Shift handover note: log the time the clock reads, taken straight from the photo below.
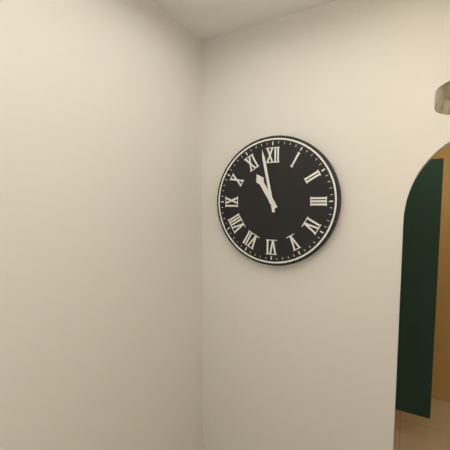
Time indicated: 10:58
